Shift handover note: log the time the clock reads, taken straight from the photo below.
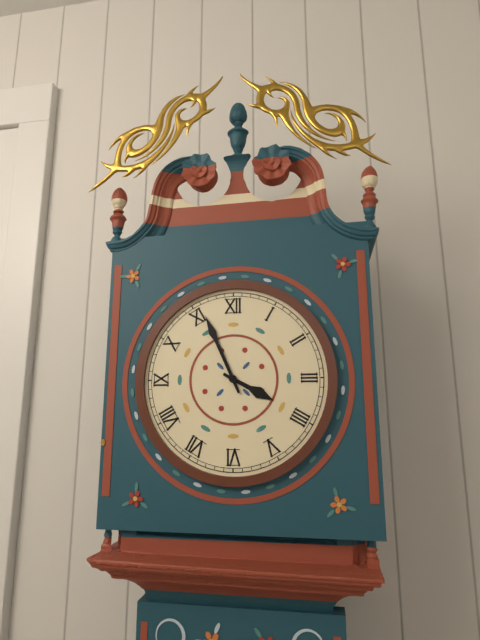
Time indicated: 3:56
